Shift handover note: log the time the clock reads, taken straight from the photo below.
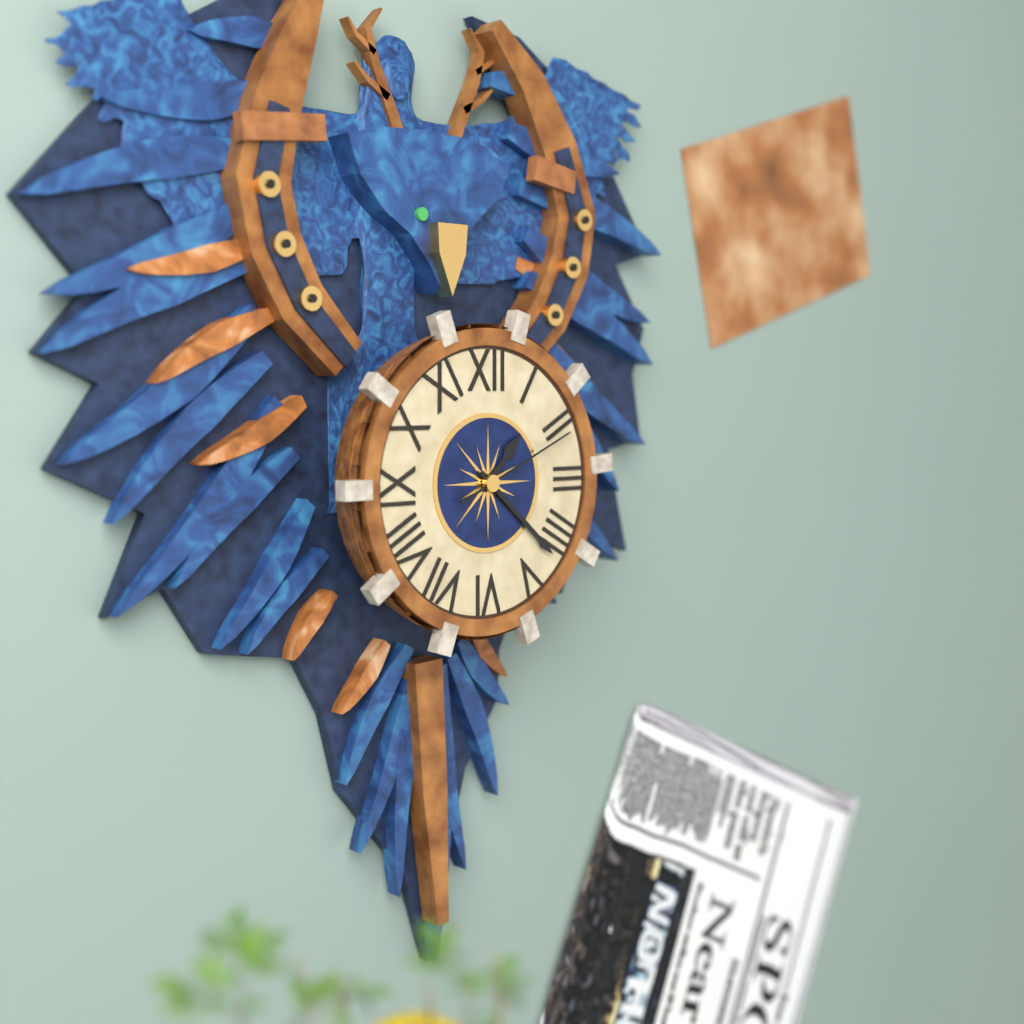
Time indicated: 1:22:11
